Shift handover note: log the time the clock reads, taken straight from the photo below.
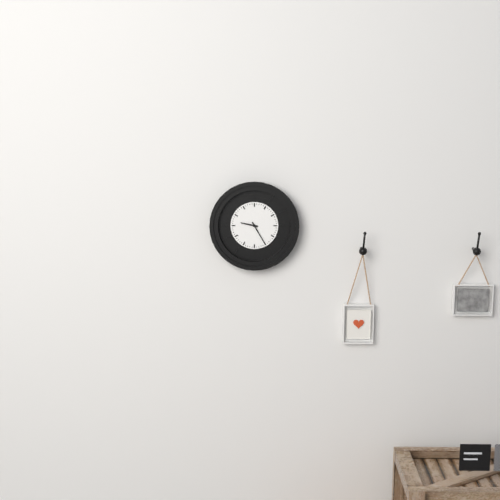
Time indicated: 9:25
